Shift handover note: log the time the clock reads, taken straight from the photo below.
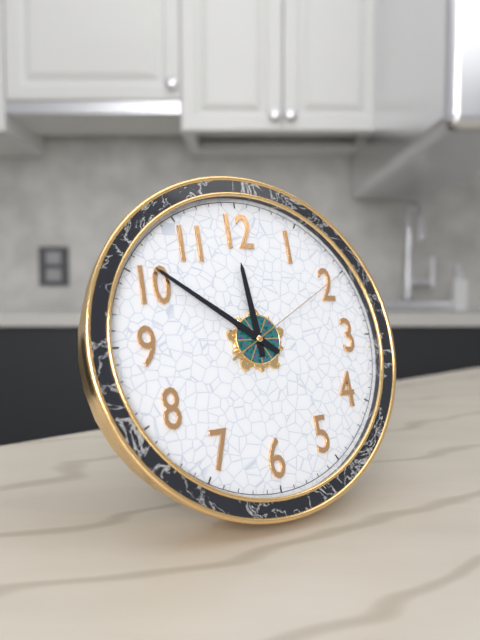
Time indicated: 11:51:10
